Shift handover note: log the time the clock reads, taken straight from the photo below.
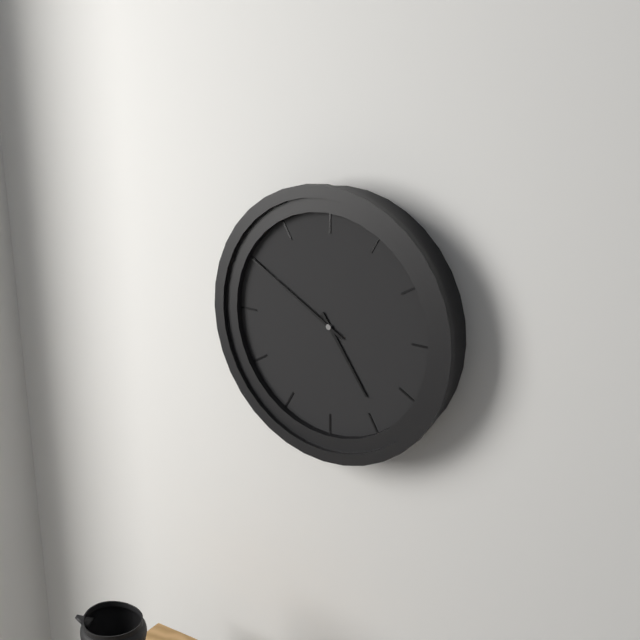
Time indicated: 4:50
